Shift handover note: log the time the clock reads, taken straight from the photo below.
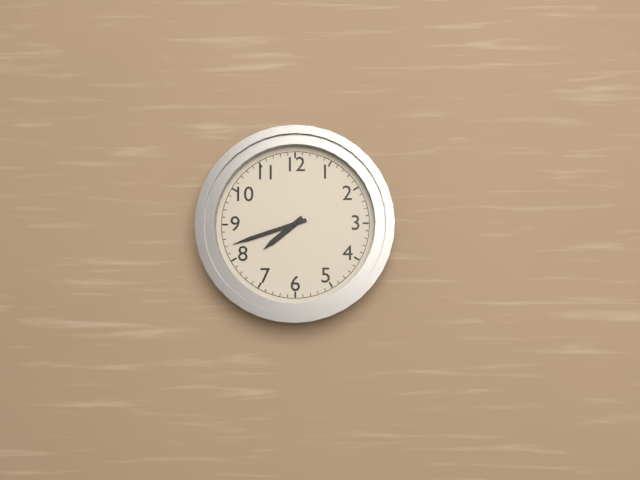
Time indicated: 7:42
